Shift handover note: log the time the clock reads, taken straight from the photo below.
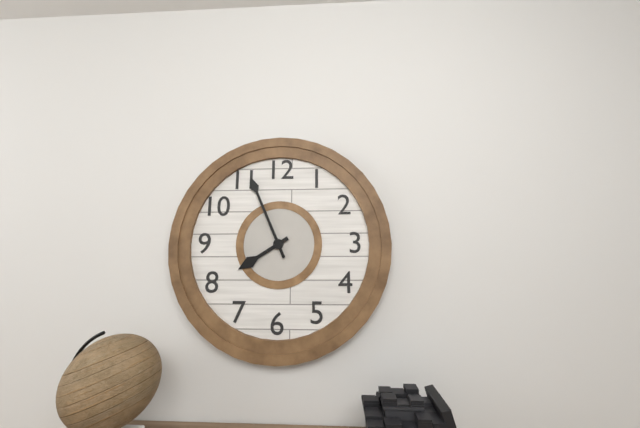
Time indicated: 7:56
